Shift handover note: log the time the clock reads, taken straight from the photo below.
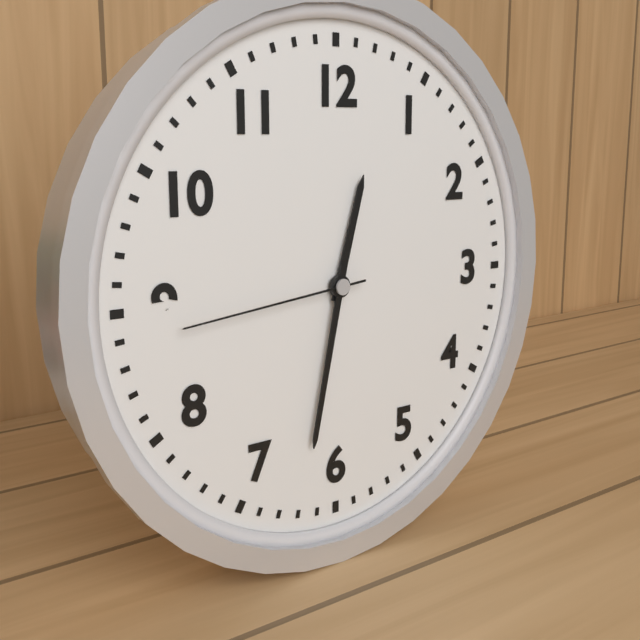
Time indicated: 12:32:44
